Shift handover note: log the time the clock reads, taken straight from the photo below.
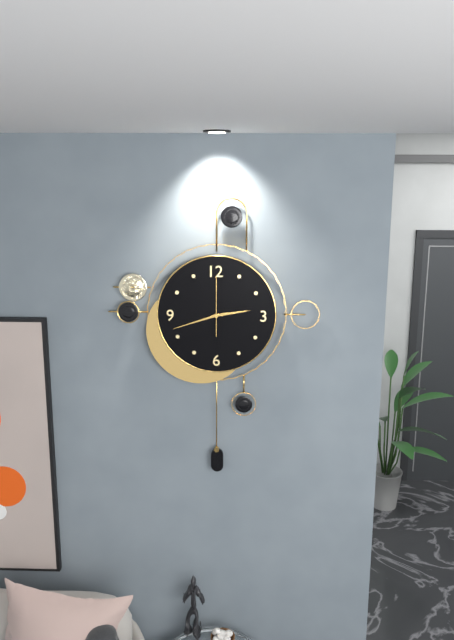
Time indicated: 2:42:00
